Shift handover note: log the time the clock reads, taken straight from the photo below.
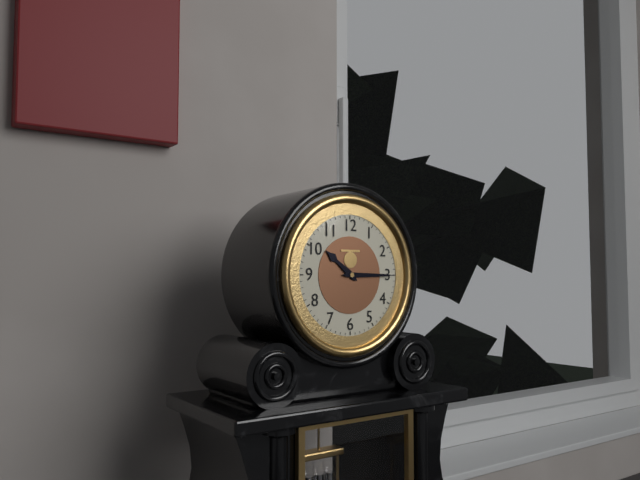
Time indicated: 10:15
